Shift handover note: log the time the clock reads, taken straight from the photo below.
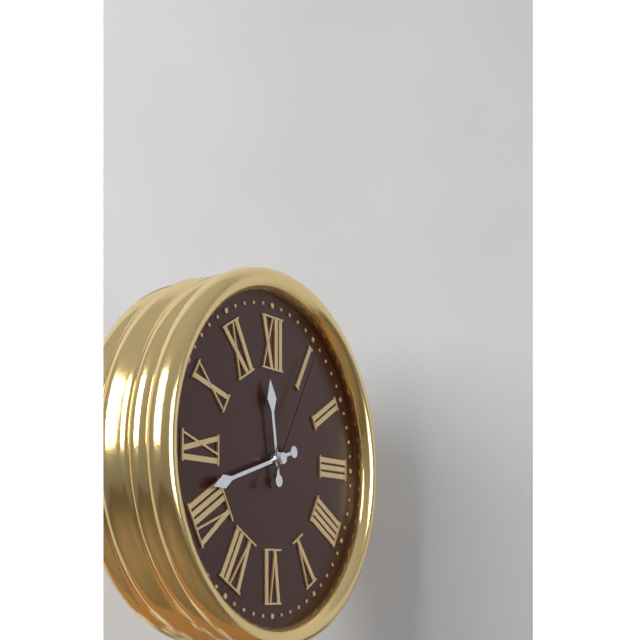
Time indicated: 11:42:05
